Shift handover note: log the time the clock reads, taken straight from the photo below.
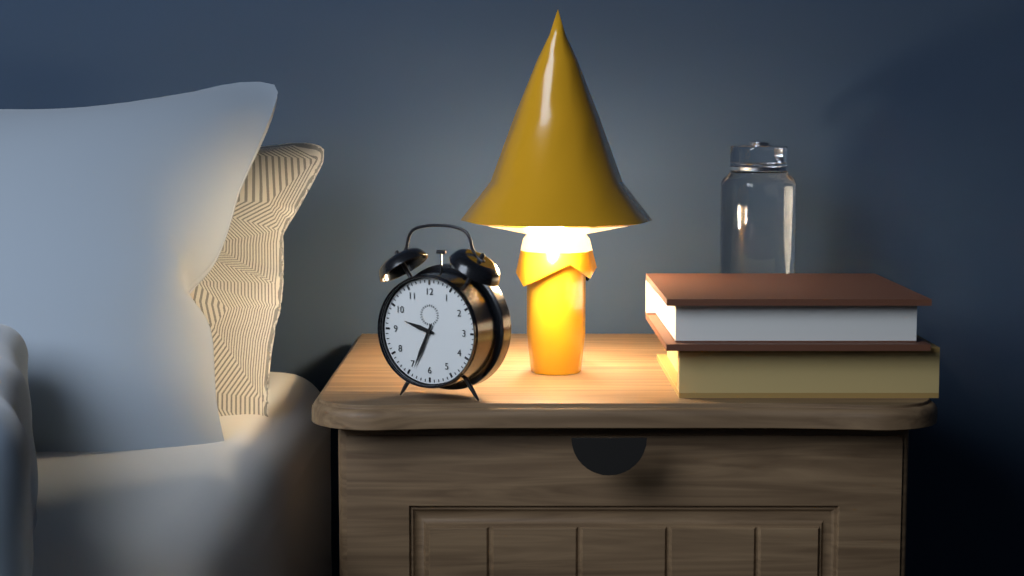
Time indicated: 9:34
